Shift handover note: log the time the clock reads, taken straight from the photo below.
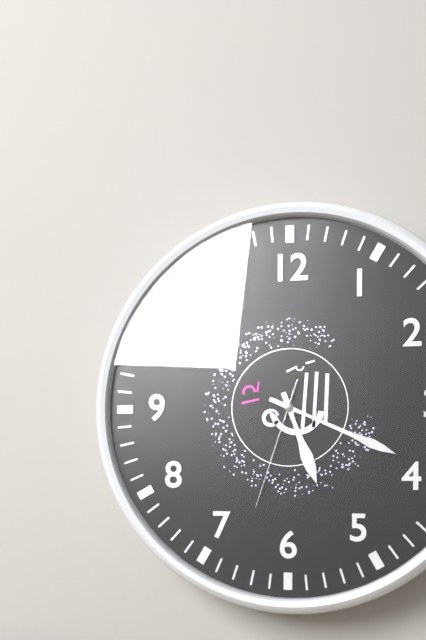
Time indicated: 5:19:33
